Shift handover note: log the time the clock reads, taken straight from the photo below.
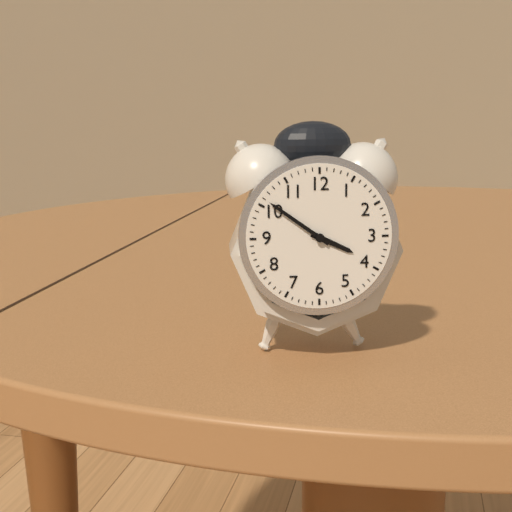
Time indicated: 3:51
